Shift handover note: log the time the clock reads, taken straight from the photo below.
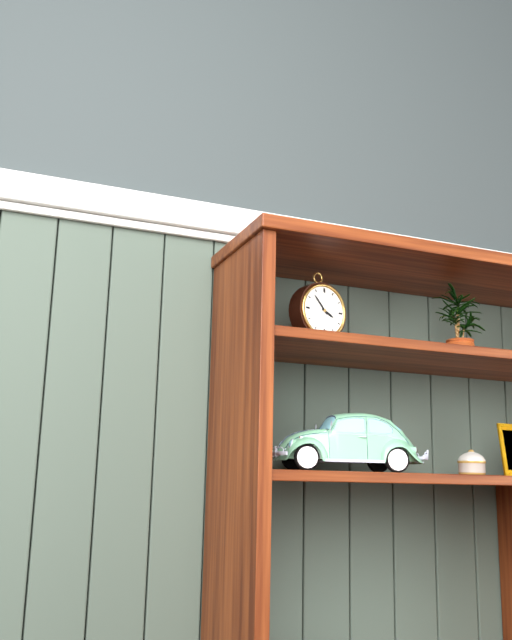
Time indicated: 3:53
